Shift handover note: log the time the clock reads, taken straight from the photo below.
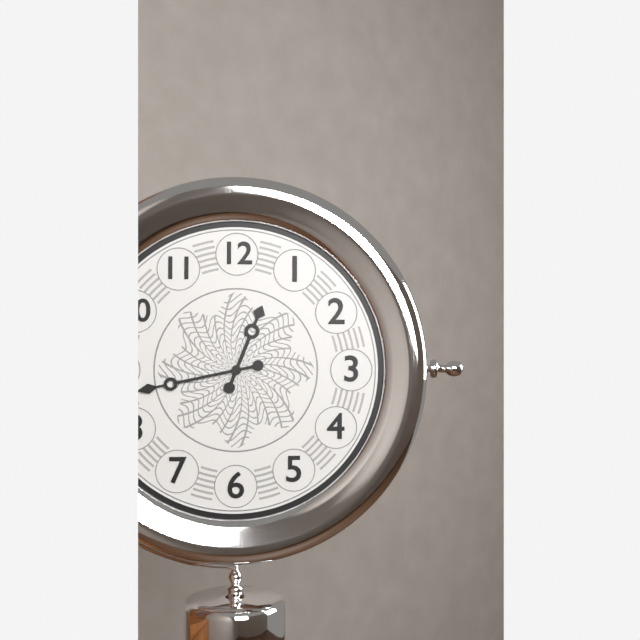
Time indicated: 12:43
